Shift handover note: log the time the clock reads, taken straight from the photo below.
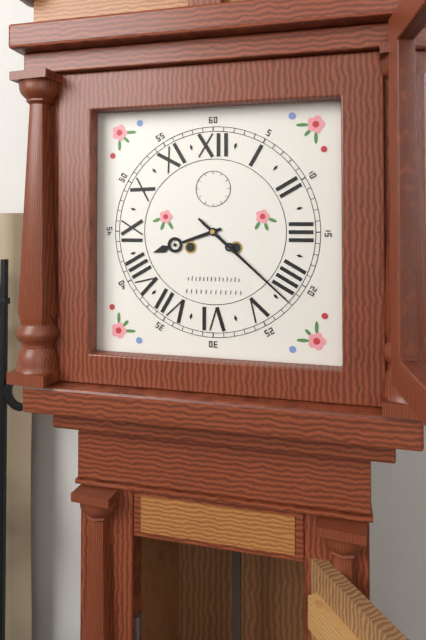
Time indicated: 8:22
